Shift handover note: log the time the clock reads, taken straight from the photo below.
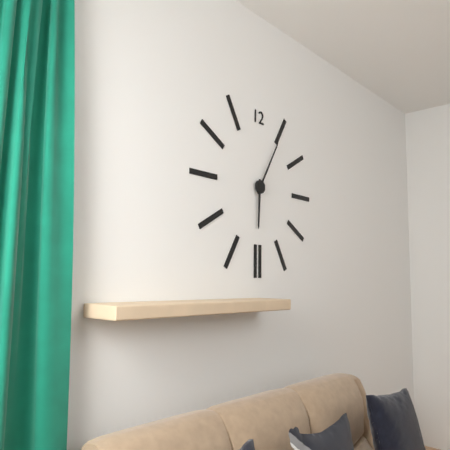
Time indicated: 6:05
